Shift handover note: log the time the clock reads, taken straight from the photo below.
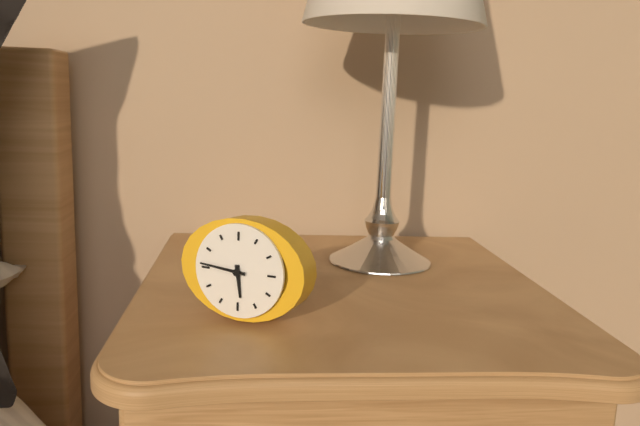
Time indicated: 5:46
